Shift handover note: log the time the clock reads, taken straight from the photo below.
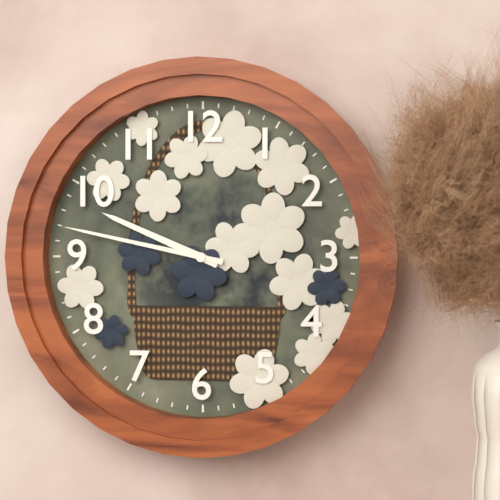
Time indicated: 9:47
